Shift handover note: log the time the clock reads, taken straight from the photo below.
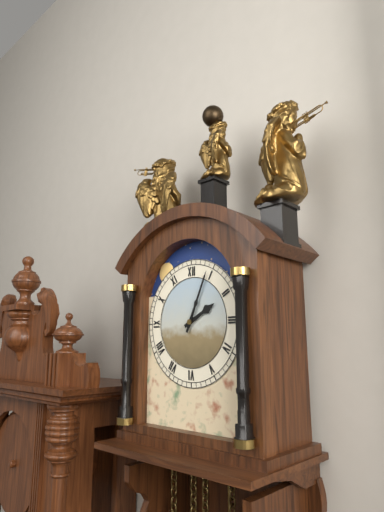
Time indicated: 2:04
